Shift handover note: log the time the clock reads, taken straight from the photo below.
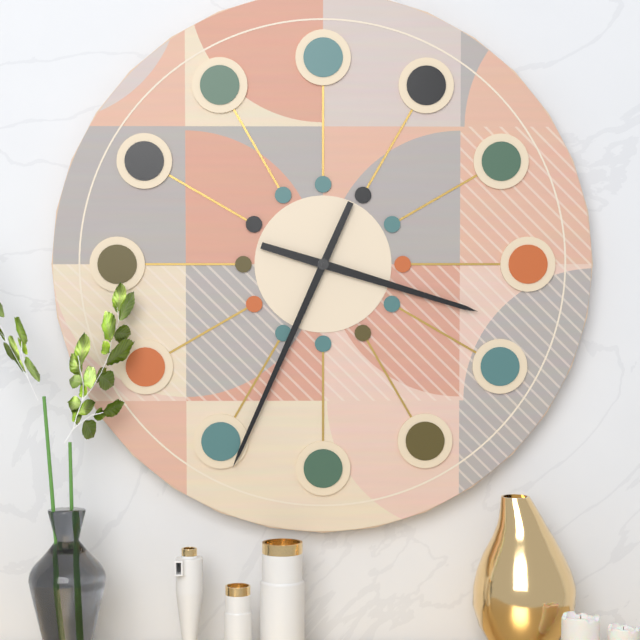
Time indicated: 3:34
